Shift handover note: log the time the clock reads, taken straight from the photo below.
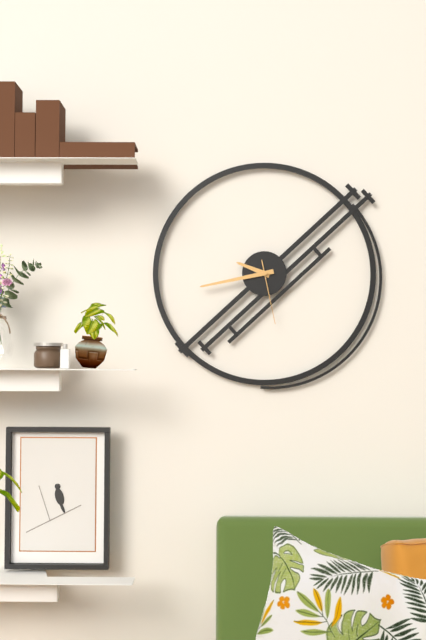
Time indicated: 9:43:28
